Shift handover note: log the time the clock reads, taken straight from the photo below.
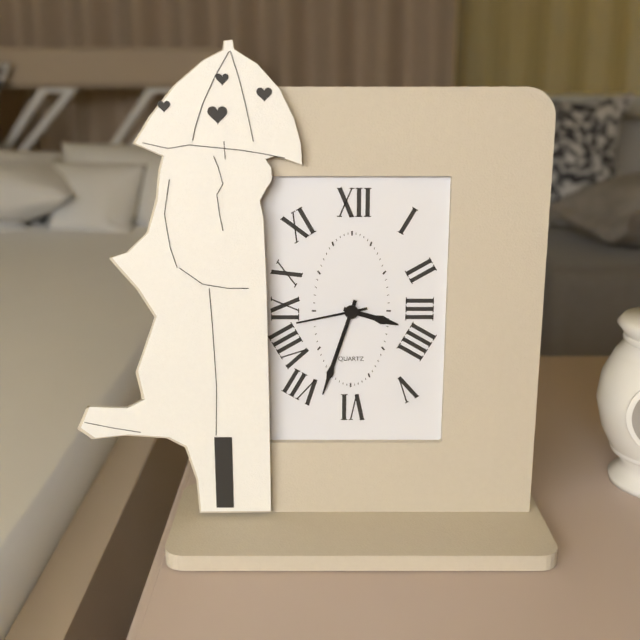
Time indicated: 3:33:43
